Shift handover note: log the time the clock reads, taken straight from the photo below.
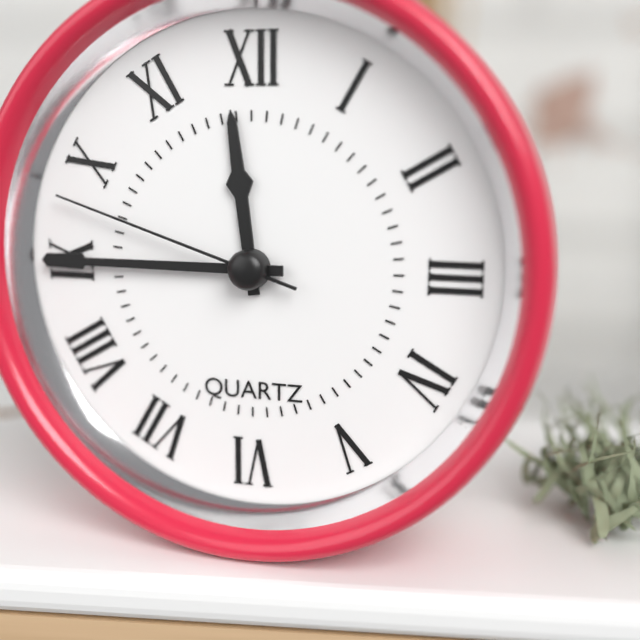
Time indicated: 11:45:48
